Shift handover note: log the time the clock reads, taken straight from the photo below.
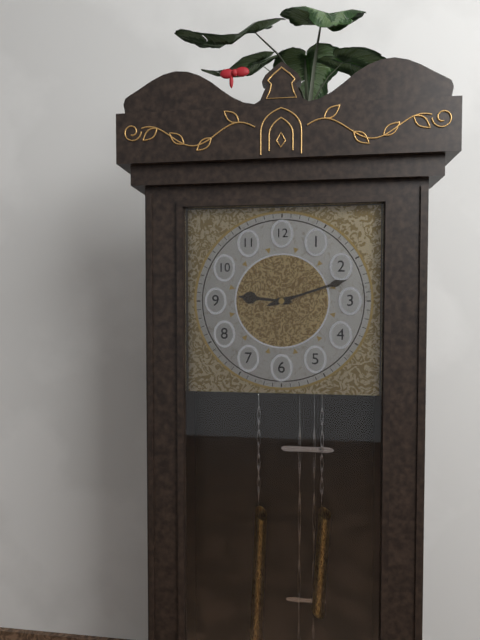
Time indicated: 9:12
